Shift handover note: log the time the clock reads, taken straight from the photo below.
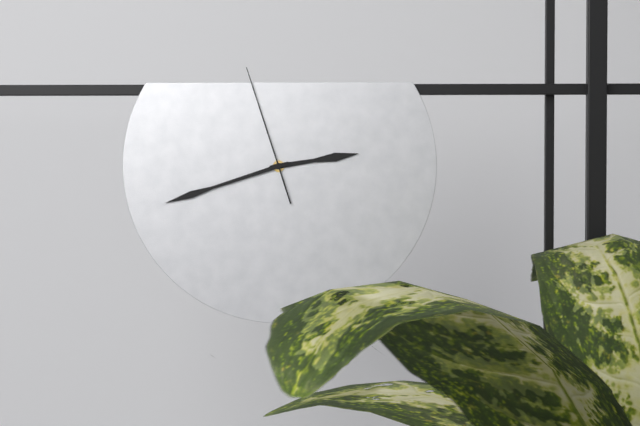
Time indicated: 2:42:57
